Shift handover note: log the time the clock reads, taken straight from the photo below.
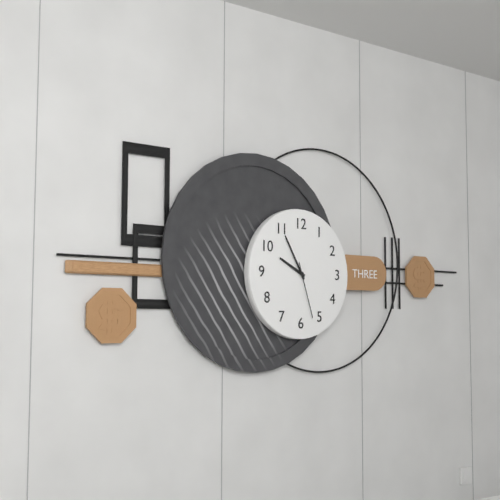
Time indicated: 9:55:27
